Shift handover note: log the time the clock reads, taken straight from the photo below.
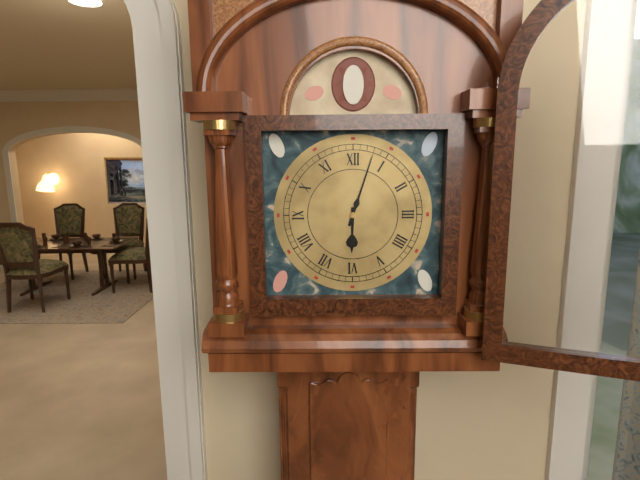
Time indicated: 6:03
